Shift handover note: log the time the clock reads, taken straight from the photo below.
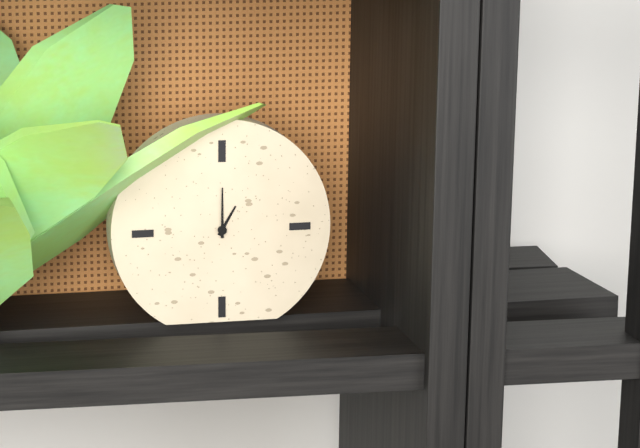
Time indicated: 1:00
